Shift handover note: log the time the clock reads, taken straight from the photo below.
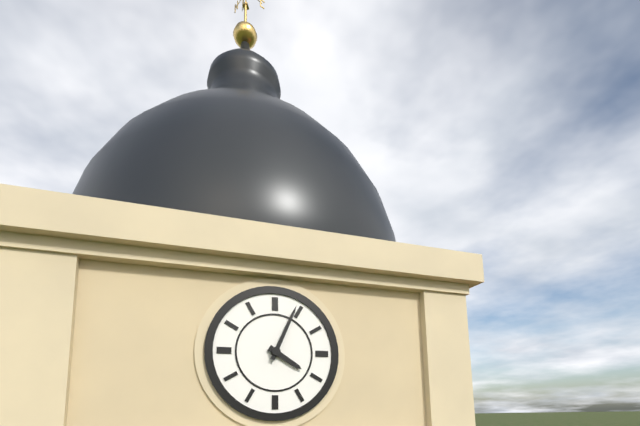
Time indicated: 4:04
